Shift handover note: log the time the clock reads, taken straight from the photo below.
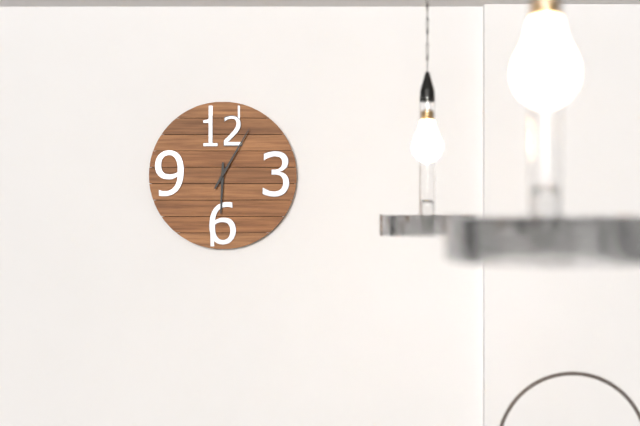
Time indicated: 6:05
